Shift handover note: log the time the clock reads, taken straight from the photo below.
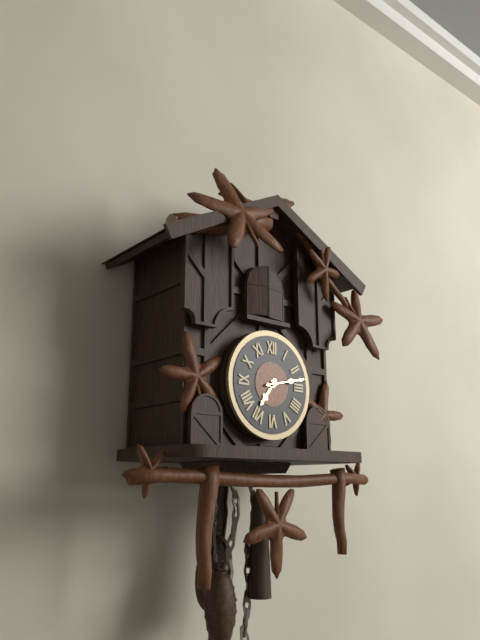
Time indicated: 7:13
